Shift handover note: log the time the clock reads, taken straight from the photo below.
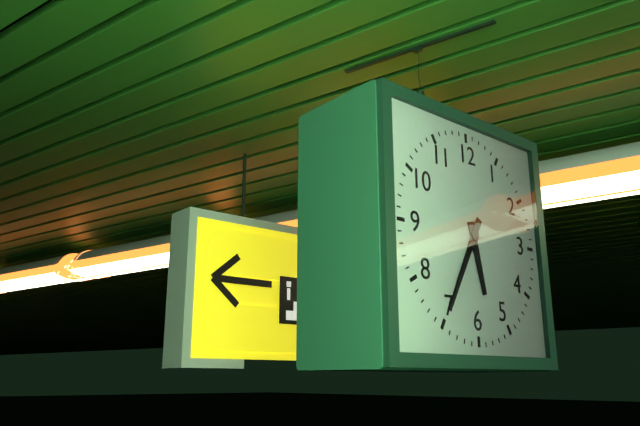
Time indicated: 5:35
